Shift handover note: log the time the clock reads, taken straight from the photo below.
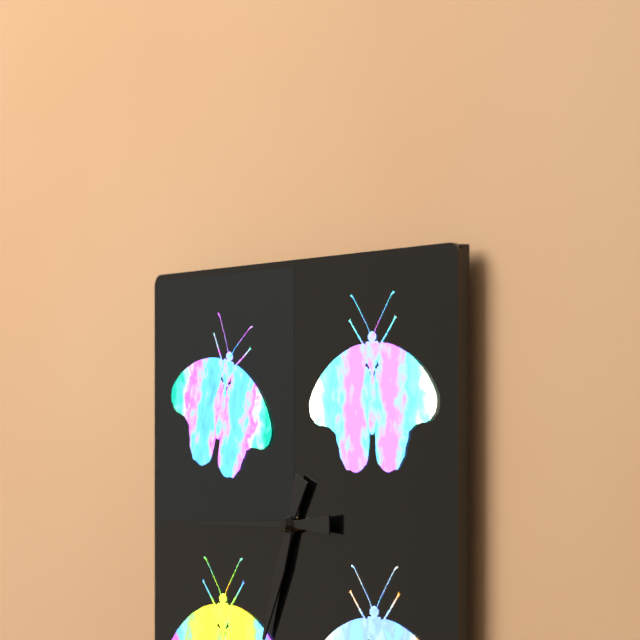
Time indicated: 6:45
